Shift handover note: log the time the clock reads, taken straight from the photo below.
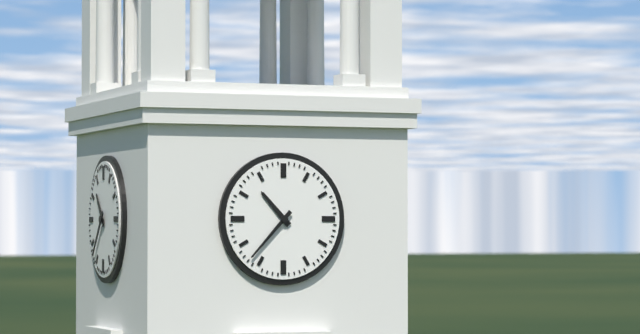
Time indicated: 10:37
